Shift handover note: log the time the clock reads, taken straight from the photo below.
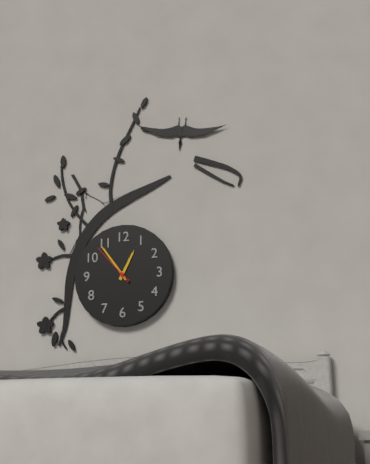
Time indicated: 12:54
